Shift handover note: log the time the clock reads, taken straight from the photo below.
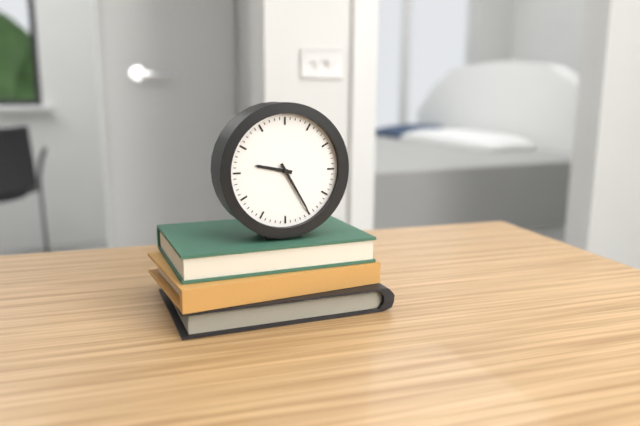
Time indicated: 9:25
